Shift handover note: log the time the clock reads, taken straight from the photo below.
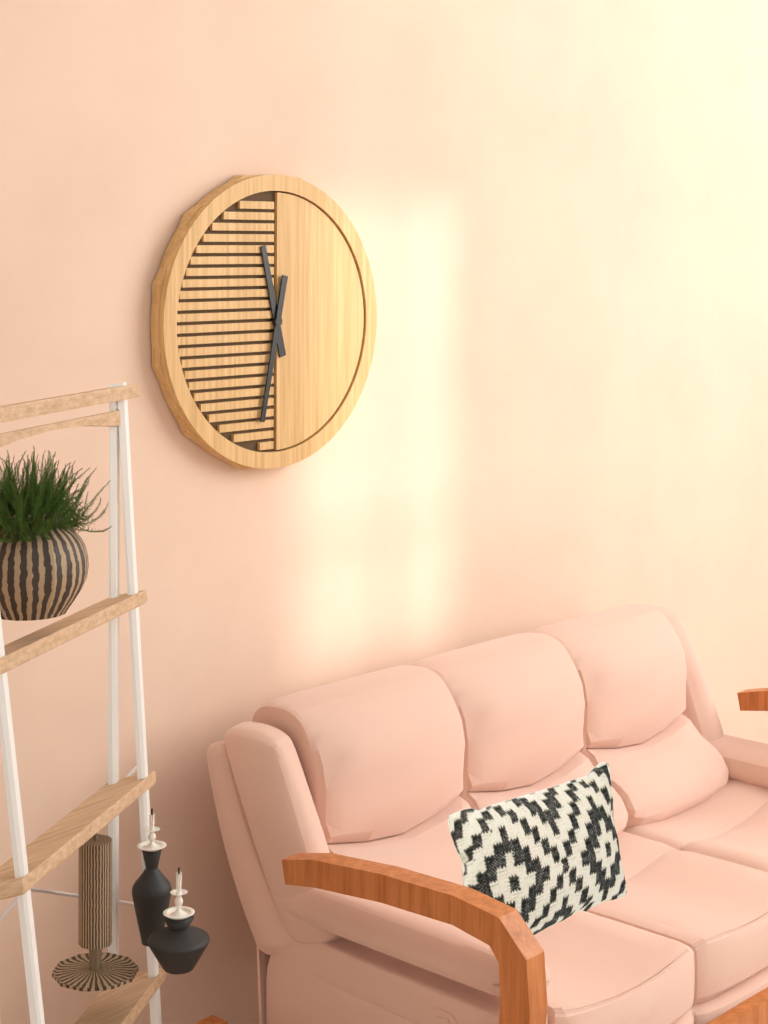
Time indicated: 11:32
